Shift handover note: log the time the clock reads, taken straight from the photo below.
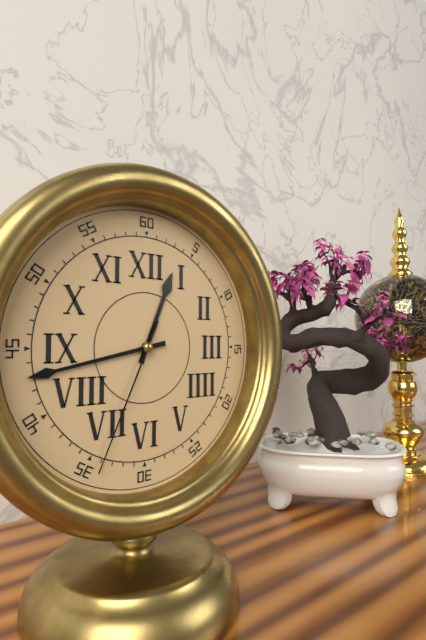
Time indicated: 12:43:34
